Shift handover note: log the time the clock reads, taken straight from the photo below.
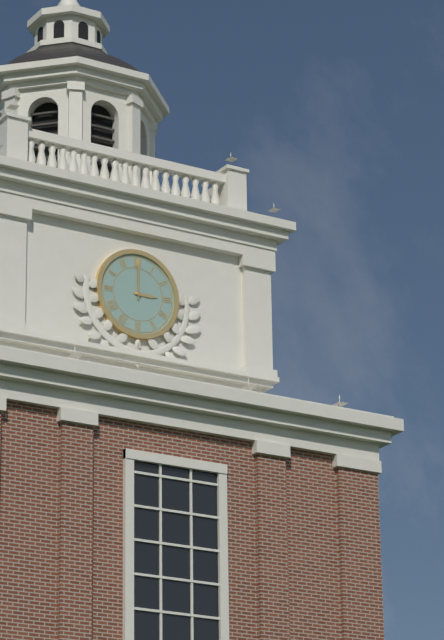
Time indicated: 3:00
